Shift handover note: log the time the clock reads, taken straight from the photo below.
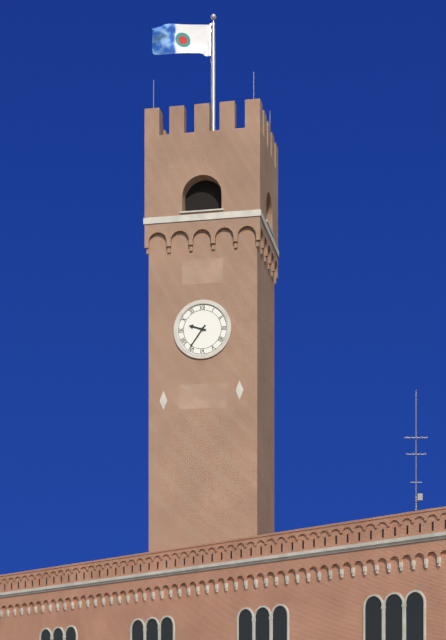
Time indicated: 9:36
